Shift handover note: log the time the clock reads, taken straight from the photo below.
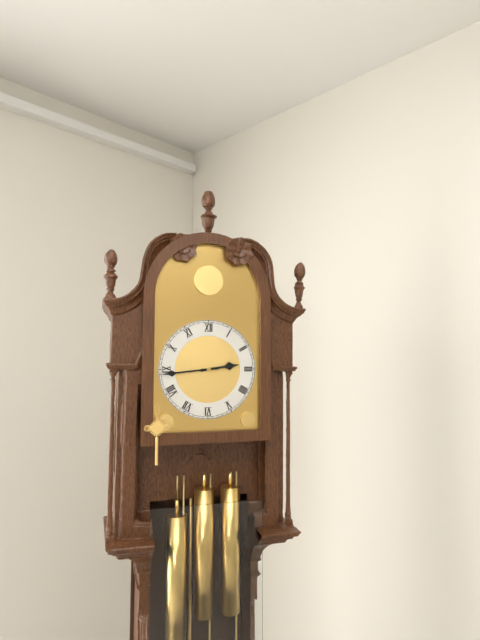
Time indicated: 2:44
